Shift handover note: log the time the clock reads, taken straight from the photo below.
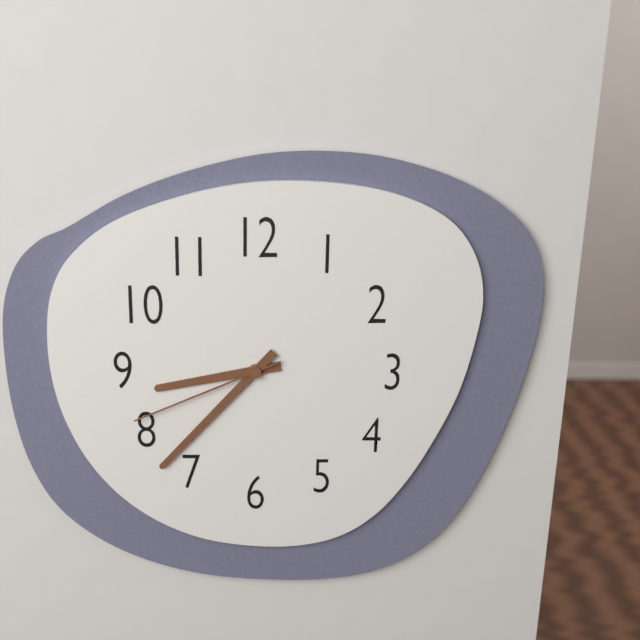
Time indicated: 8:37:41
